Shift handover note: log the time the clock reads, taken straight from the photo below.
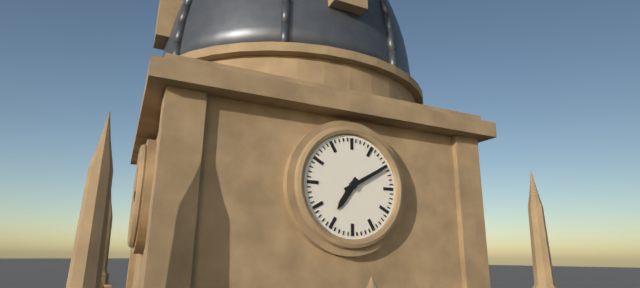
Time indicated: 7:10
